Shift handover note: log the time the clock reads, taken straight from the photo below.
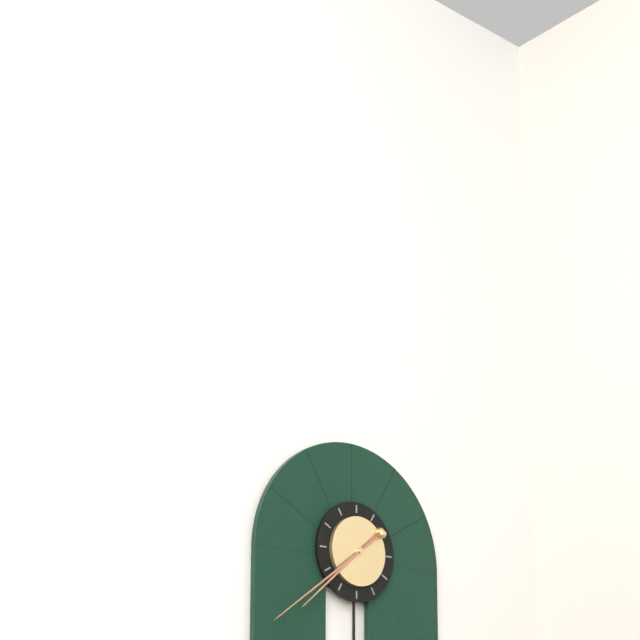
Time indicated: 7:39
